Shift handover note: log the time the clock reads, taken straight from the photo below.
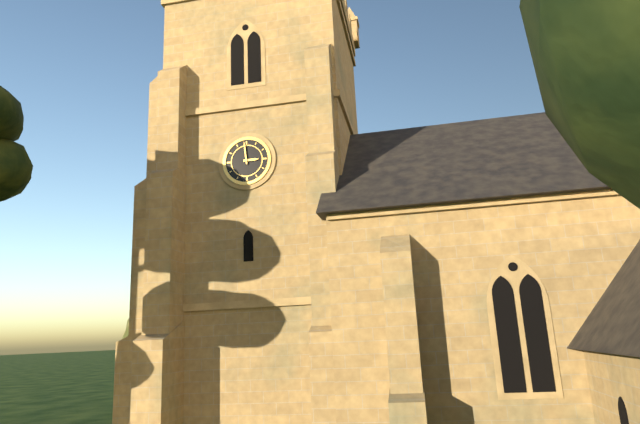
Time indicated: 2:59
